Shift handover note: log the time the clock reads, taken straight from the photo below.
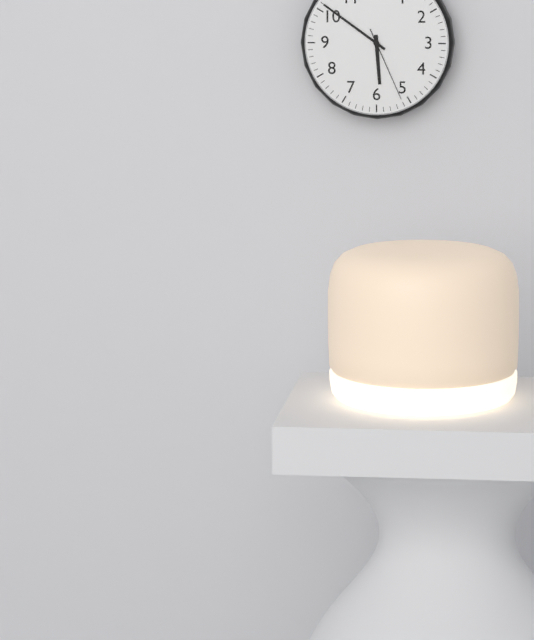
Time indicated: 5:51:26
